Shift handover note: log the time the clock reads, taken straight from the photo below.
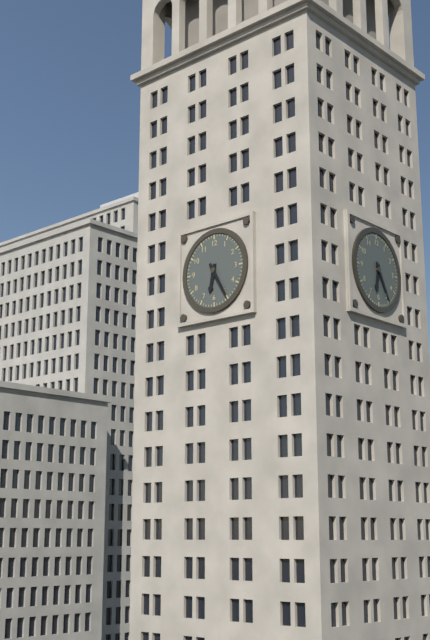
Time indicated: 6:25
